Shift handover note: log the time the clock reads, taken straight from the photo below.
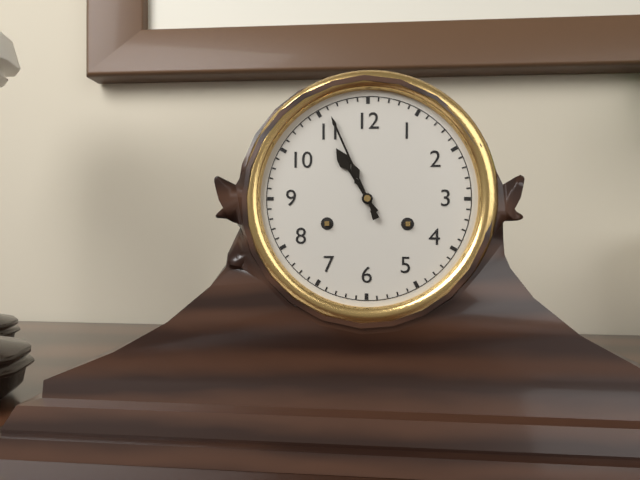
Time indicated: 10:56
